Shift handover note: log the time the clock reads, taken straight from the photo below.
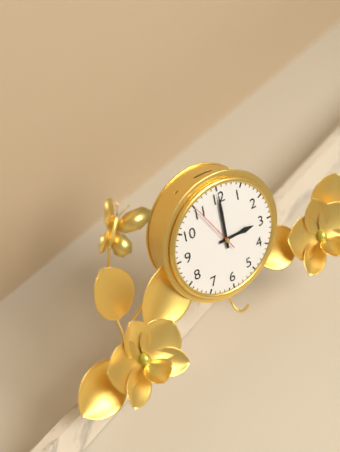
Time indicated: 3:00
